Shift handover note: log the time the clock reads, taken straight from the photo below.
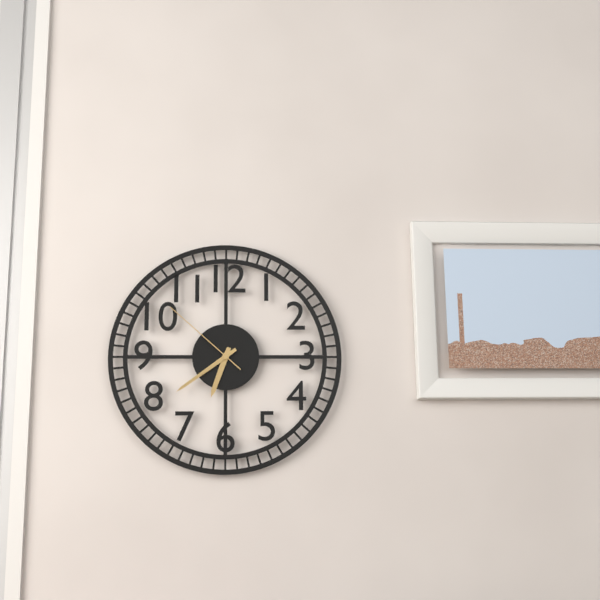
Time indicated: 6:39:52
